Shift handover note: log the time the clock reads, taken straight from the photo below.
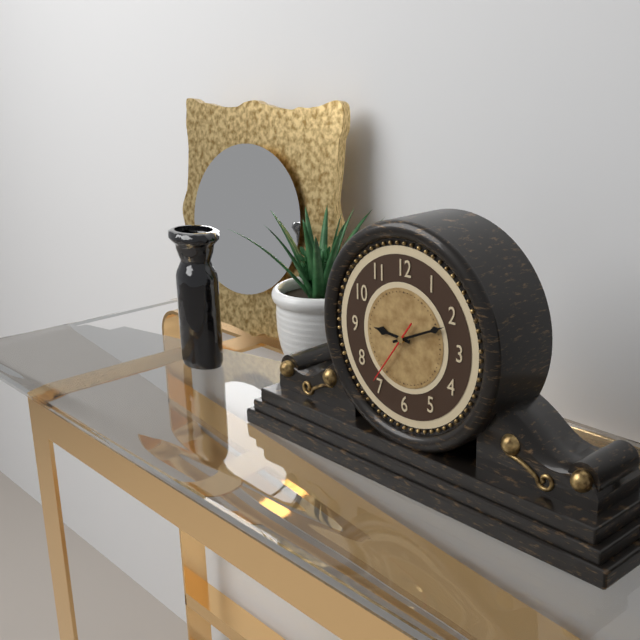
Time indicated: 9:11:36
